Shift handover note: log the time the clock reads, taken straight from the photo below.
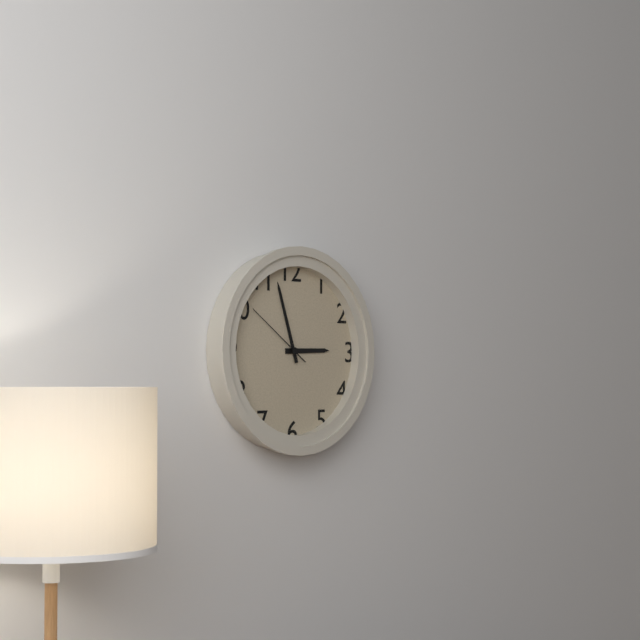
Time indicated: 2:57:51
